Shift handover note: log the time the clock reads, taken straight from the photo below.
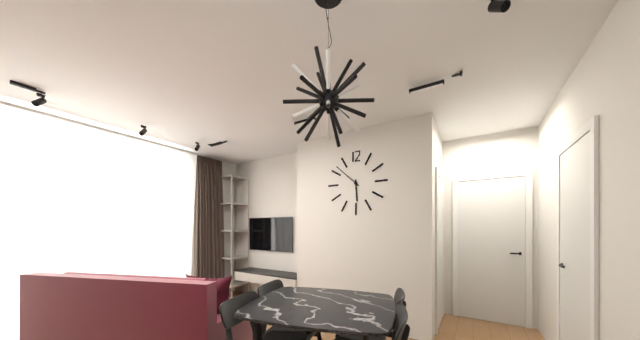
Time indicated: 5:52
